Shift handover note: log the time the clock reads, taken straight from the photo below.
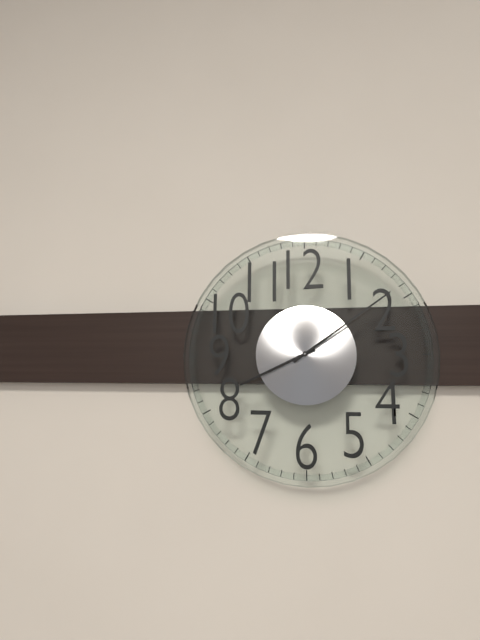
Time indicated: 8:09
